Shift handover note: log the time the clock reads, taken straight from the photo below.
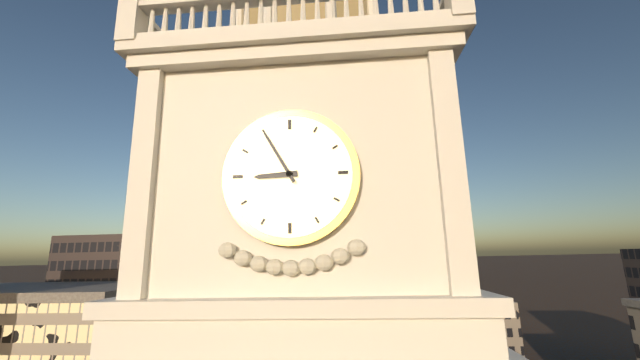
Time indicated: 8:55
